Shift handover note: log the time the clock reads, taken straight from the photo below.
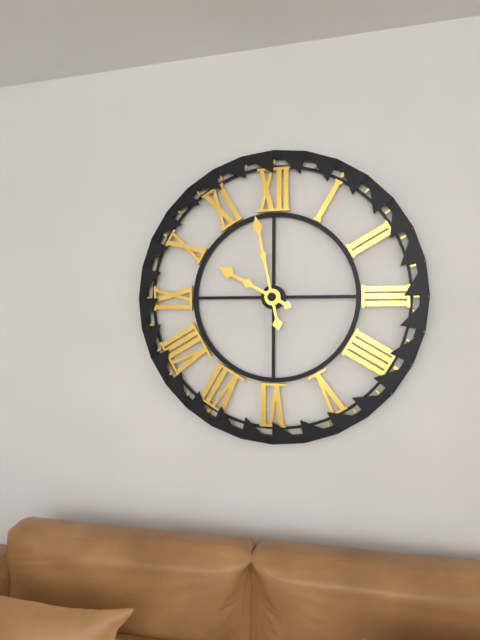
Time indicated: 9:58
